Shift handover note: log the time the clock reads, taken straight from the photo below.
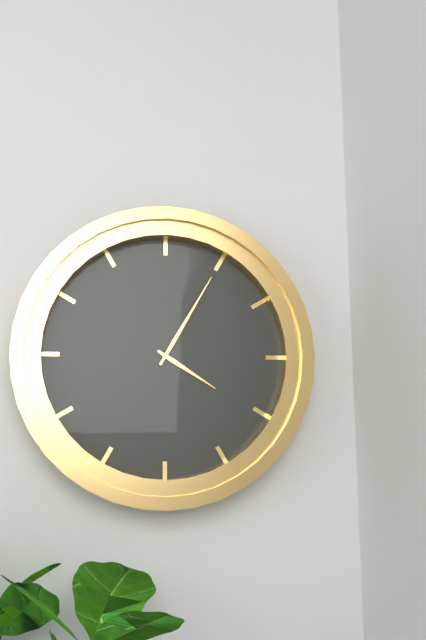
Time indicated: 4:05
